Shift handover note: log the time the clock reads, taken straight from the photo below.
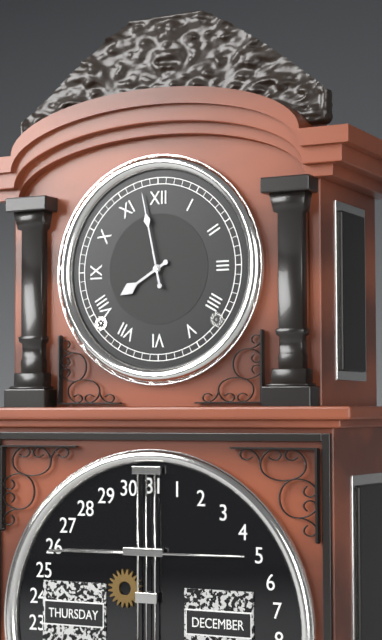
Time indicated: 7:58
